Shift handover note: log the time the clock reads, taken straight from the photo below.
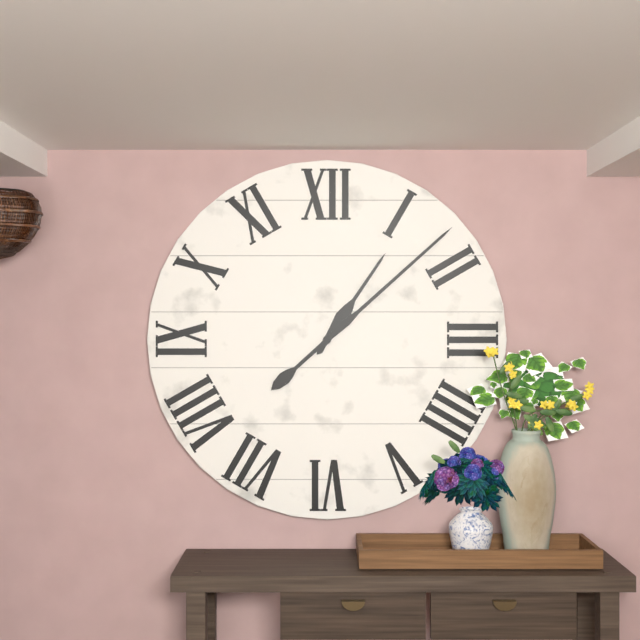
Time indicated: 1:08
